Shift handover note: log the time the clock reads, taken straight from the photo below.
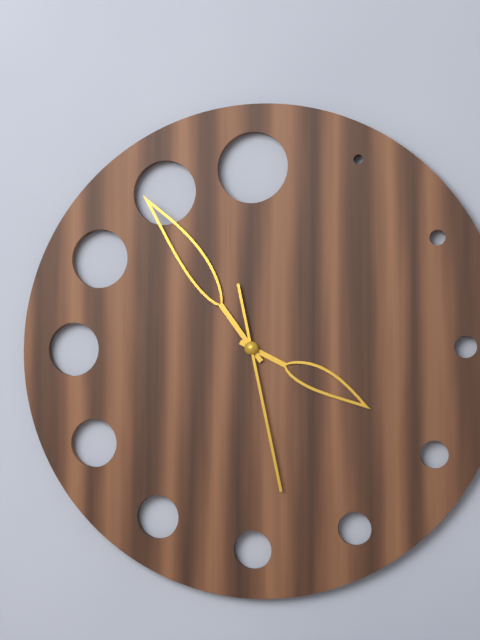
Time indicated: 3:54:28
